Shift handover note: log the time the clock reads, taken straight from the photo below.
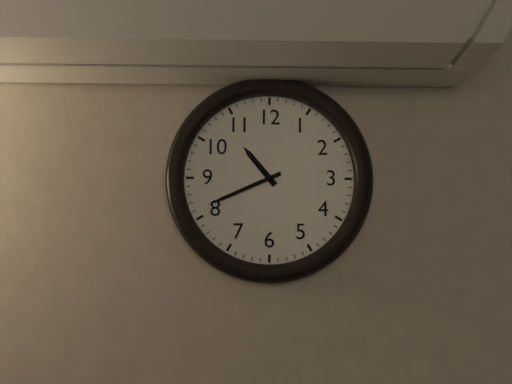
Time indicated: 10:41
